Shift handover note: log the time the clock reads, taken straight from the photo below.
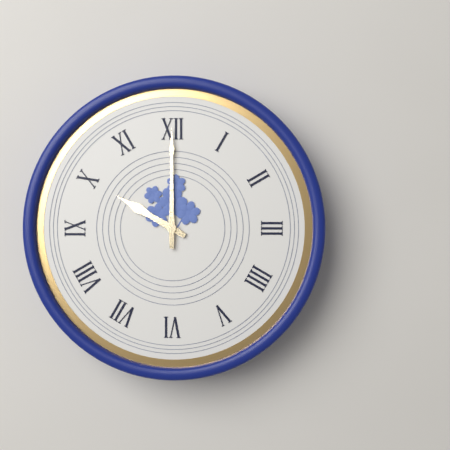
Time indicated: 10:00
